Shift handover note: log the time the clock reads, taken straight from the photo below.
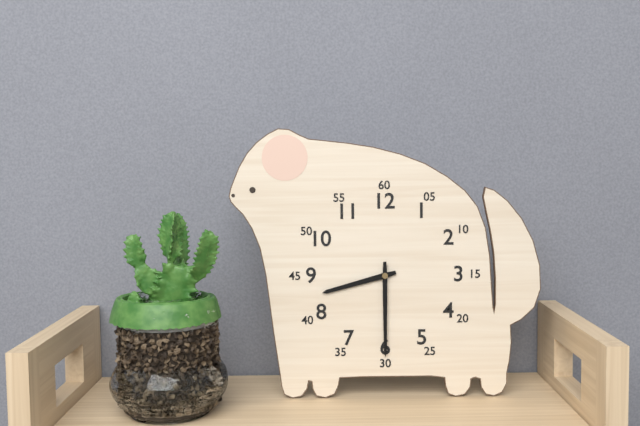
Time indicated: 8:30
